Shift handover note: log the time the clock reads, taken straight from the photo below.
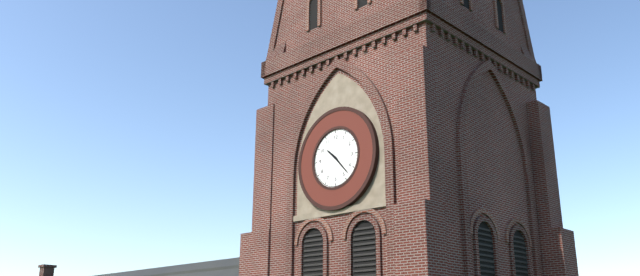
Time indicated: 10:23
